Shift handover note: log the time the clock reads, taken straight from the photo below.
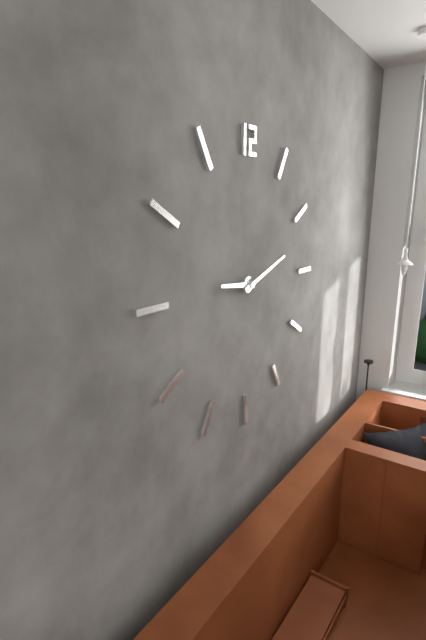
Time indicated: 9:12
